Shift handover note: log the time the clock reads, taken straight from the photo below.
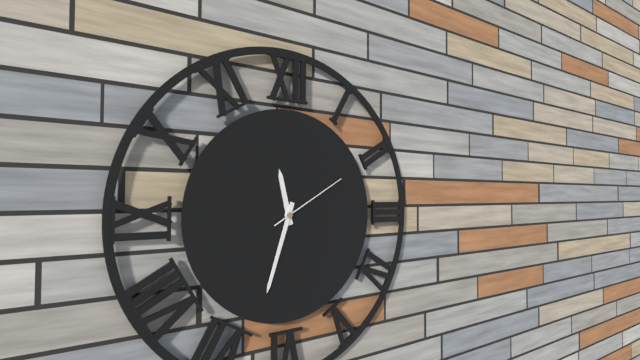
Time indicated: 11:33:10
